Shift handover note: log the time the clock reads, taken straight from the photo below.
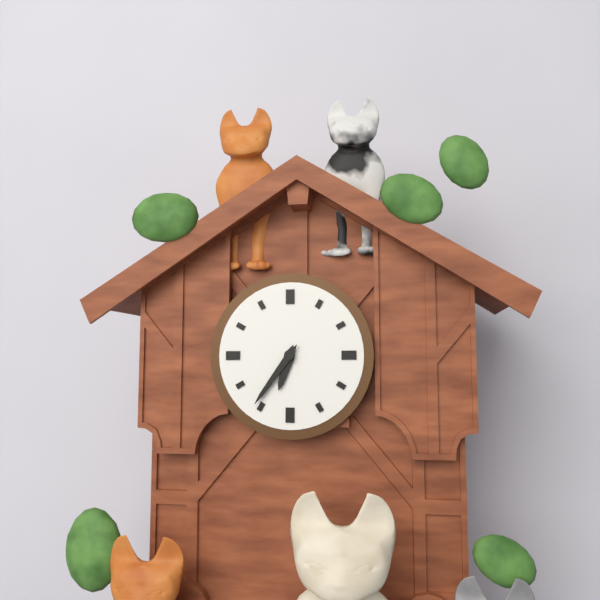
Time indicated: 6:36
